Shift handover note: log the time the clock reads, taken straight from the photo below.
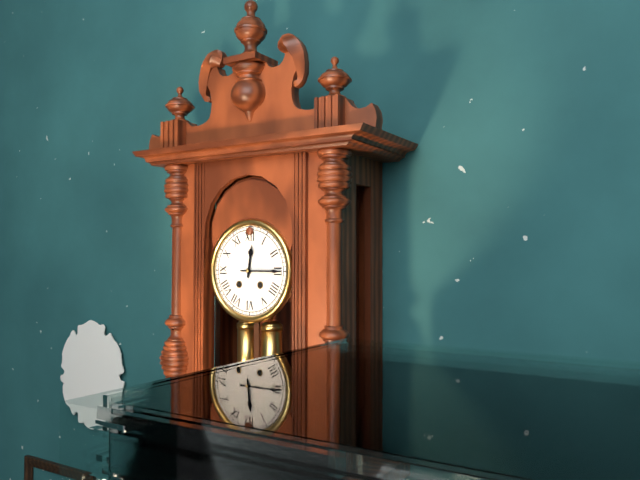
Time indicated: 12:15
